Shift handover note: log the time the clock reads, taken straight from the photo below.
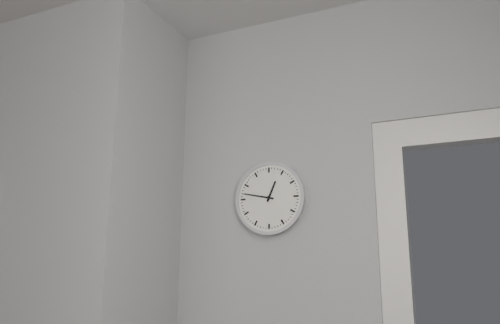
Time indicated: 12:47
